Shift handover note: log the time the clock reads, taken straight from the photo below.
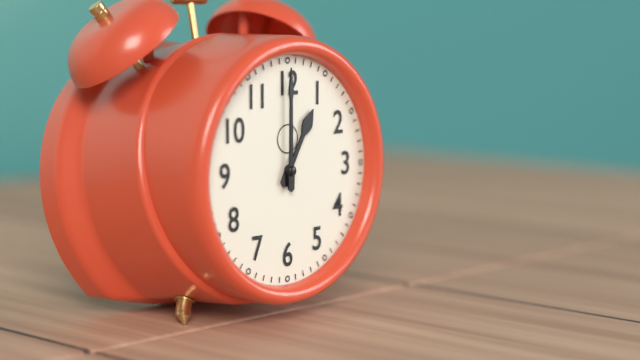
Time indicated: 1:00
